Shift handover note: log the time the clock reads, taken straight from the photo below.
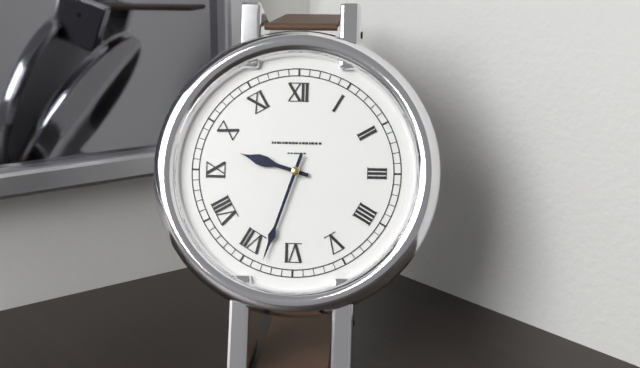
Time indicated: 9:33
